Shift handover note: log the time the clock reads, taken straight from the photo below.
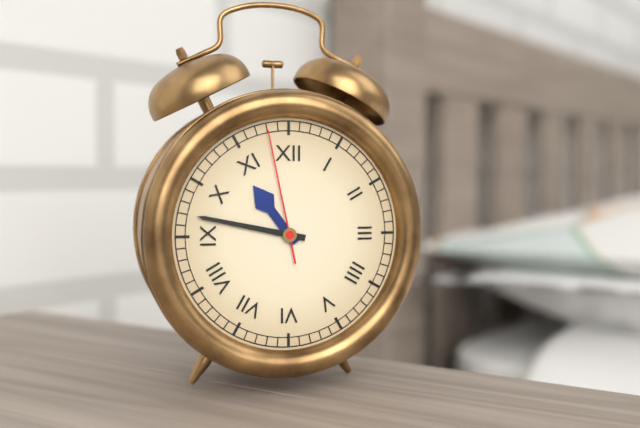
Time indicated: 10:47:58
